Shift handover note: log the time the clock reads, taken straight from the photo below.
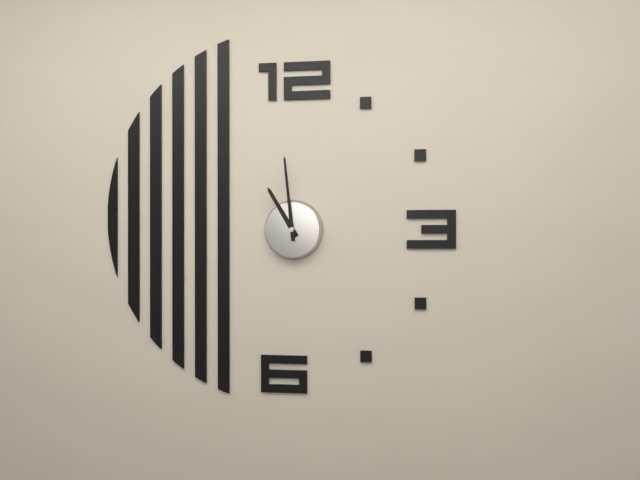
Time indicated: 10:59
